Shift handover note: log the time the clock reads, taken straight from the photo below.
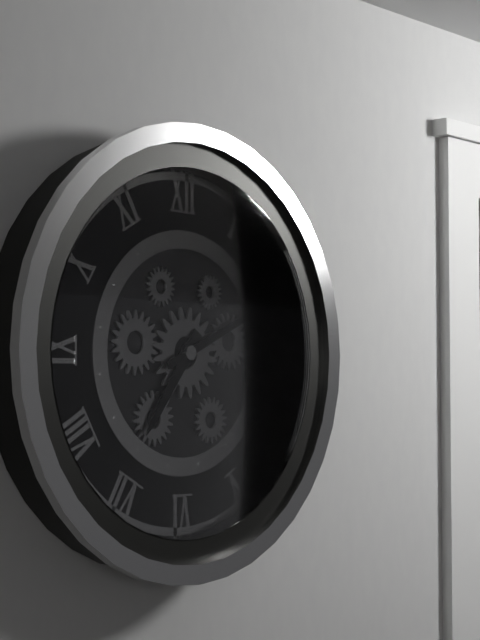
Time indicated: 7:11
